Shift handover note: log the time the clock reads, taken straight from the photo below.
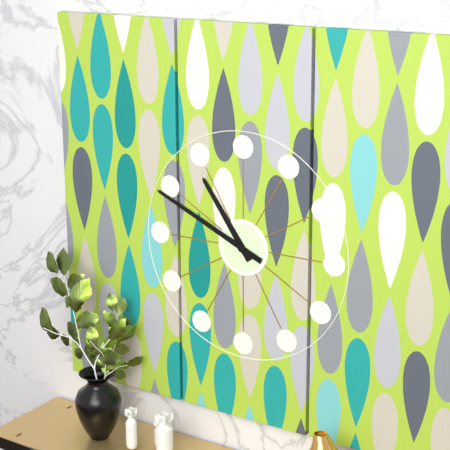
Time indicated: 10:49
